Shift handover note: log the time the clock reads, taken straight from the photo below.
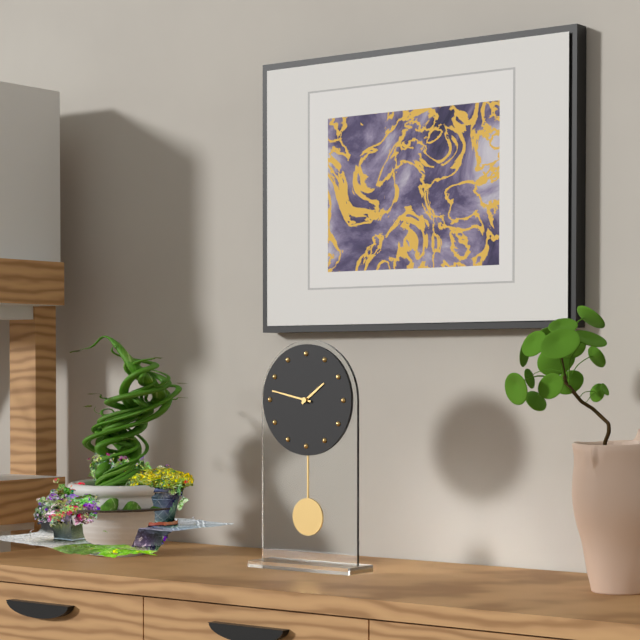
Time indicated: 1:47
